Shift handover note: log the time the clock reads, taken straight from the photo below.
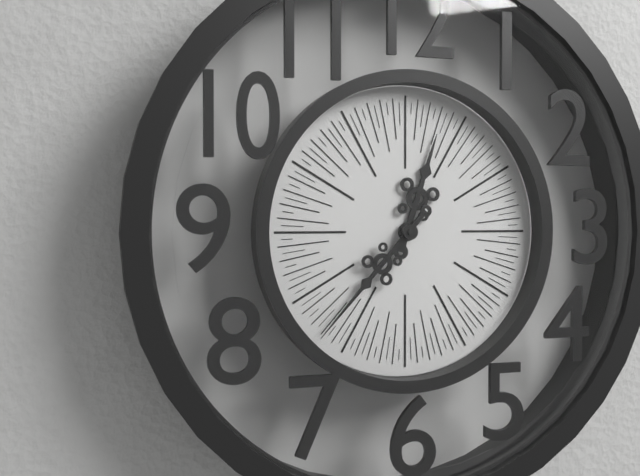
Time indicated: 12:37
